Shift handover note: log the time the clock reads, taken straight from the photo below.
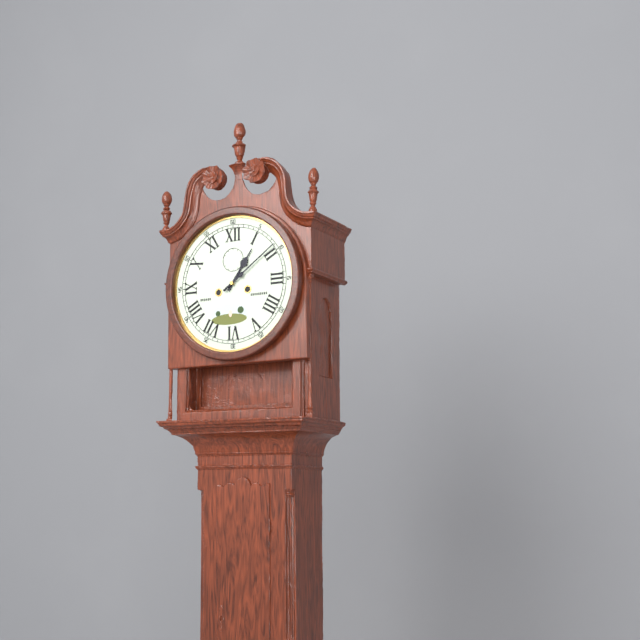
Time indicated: 1:09
